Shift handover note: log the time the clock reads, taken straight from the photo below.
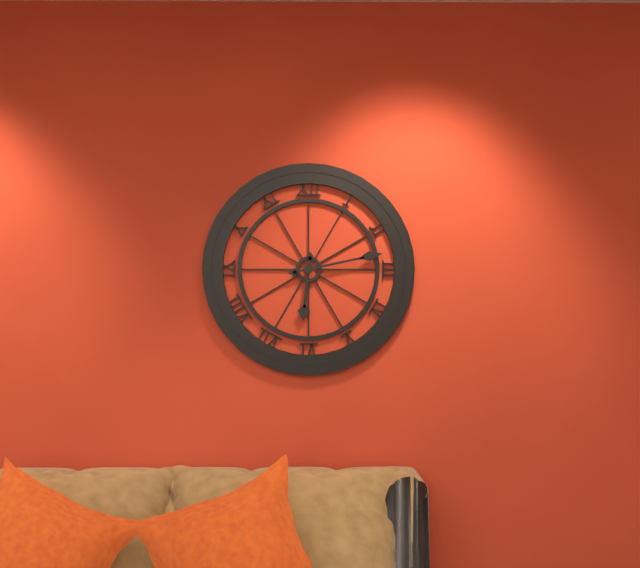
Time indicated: 6:13
